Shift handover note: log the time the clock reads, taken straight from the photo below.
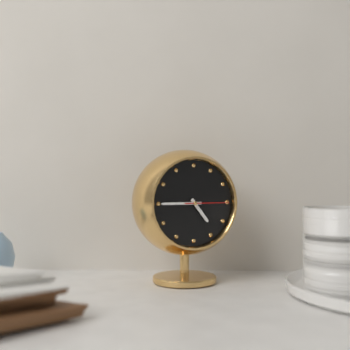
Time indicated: 4:45
